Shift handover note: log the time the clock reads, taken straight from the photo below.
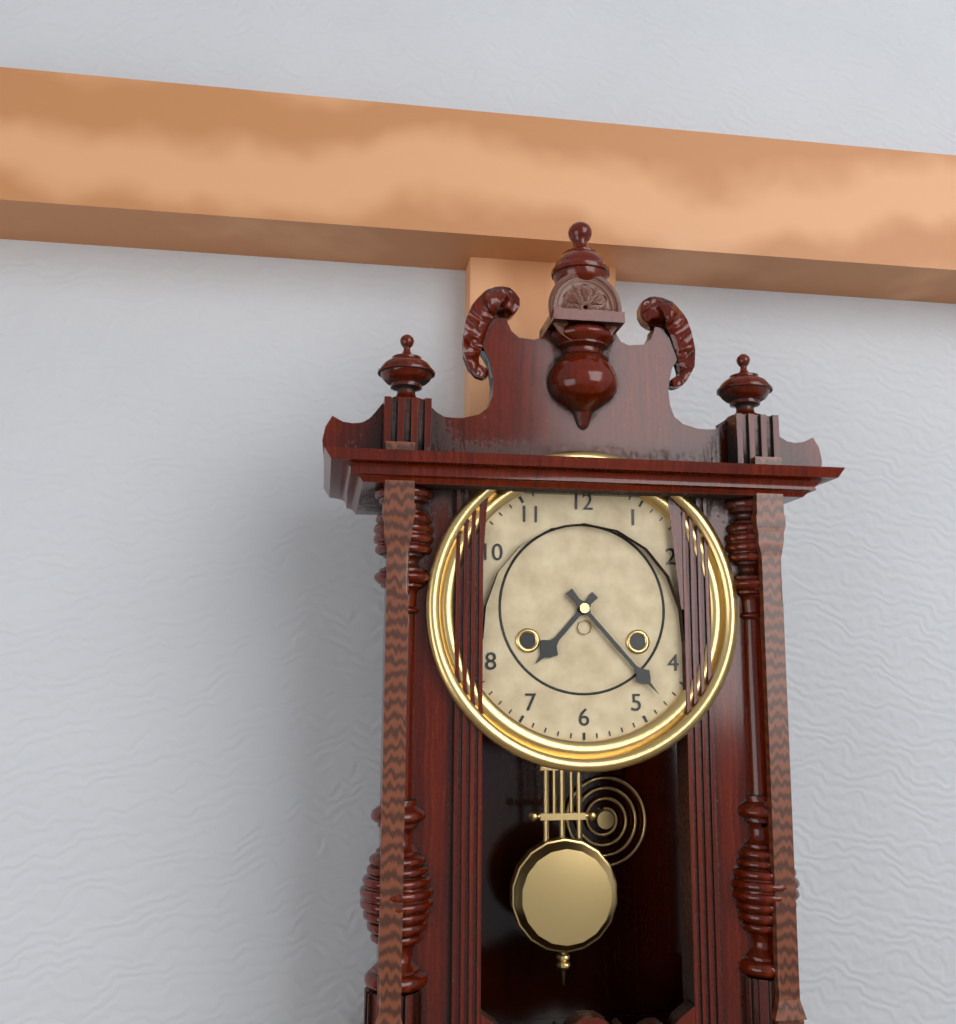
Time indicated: 7:23
